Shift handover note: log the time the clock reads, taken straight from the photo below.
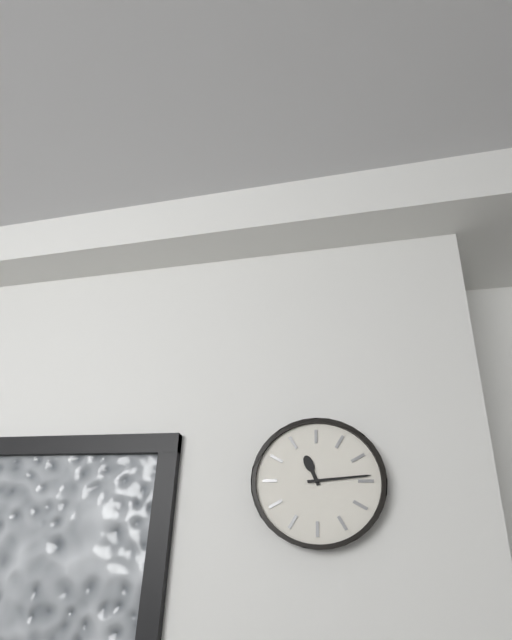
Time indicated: 11:14
